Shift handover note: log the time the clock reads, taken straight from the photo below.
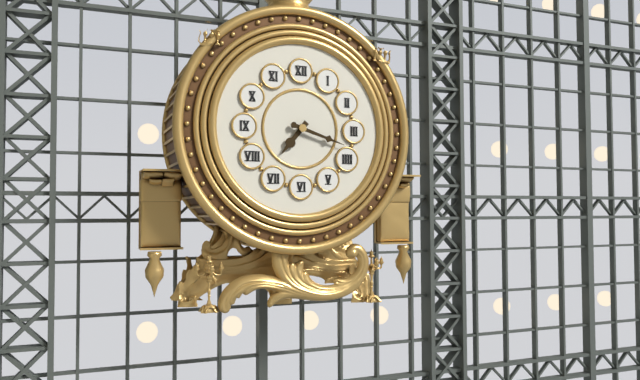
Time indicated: 7:18
